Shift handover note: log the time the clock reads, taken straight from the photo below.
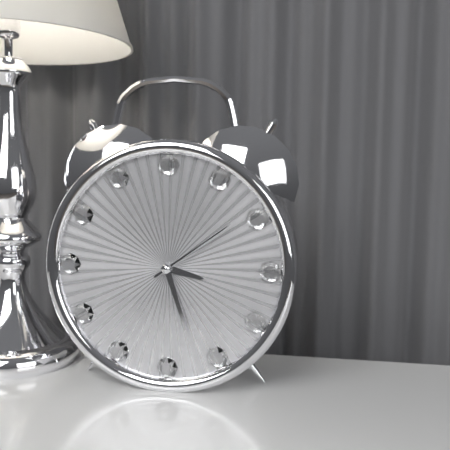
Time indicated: 3:27:09
